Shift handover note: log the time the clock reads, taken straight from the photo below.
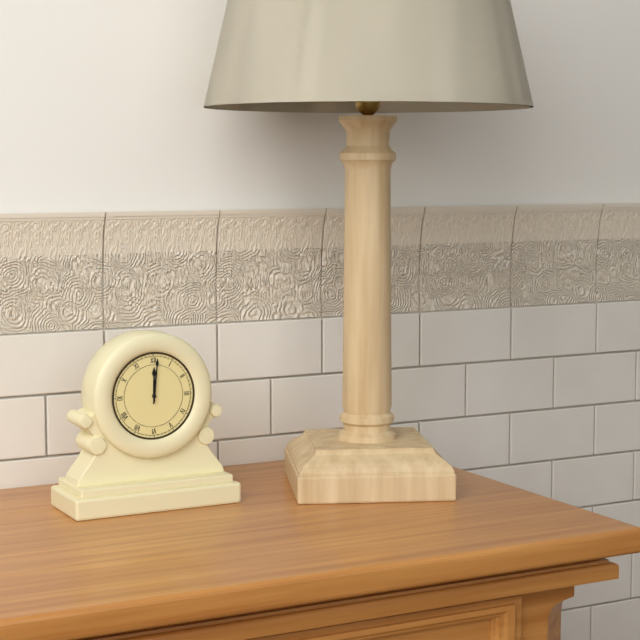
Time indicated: 12:01
